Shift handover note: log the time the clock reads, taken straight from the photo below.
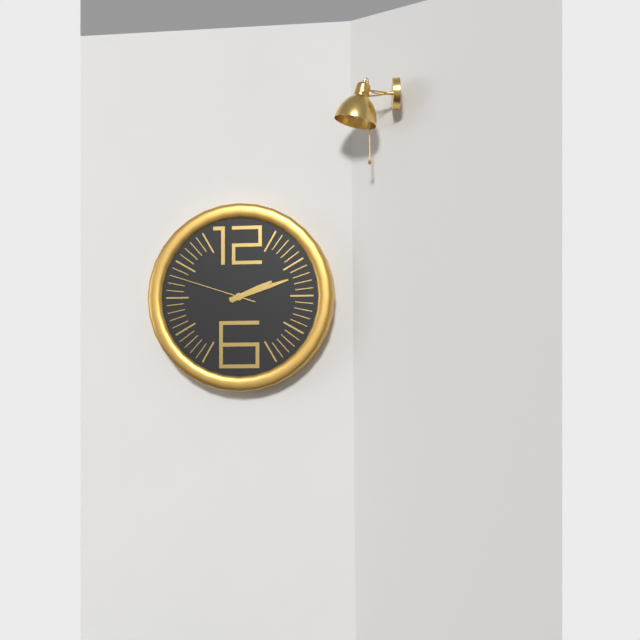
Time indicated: 2:12:48
